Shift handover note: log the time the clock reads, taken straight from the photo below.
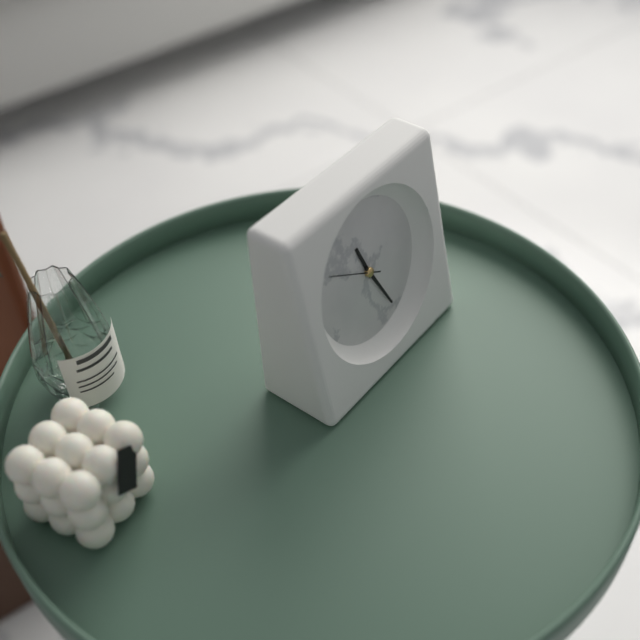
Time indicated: 11:26:50
